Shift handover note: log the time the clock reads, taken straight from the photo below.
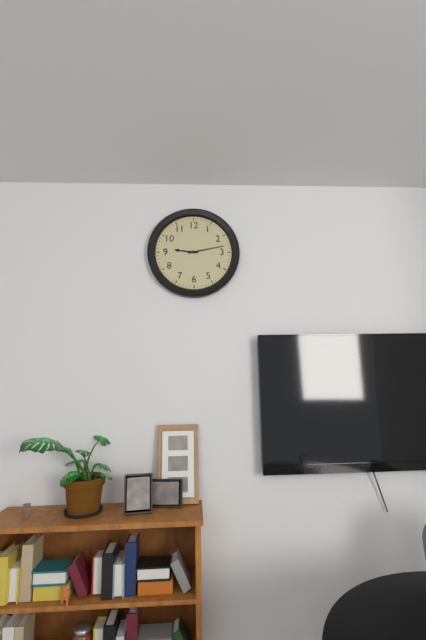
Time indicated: 9:13
